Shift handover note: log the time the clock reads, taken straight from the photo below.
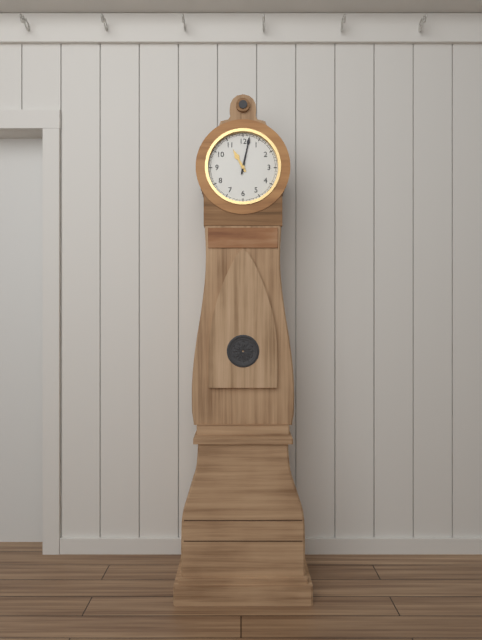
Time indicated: 11:02
